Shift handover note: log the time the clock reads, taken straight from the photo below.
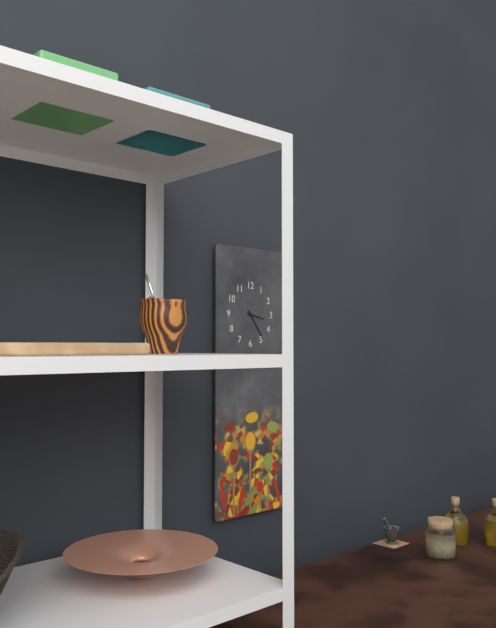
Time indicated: 3:24
